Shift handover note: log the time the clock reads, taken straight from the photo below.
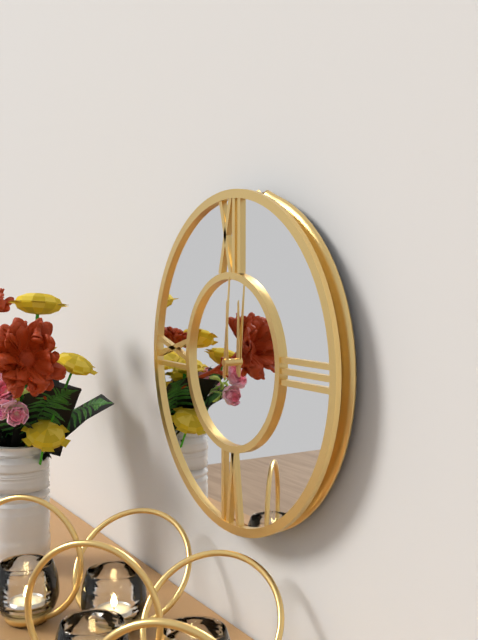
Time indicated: 12:01
